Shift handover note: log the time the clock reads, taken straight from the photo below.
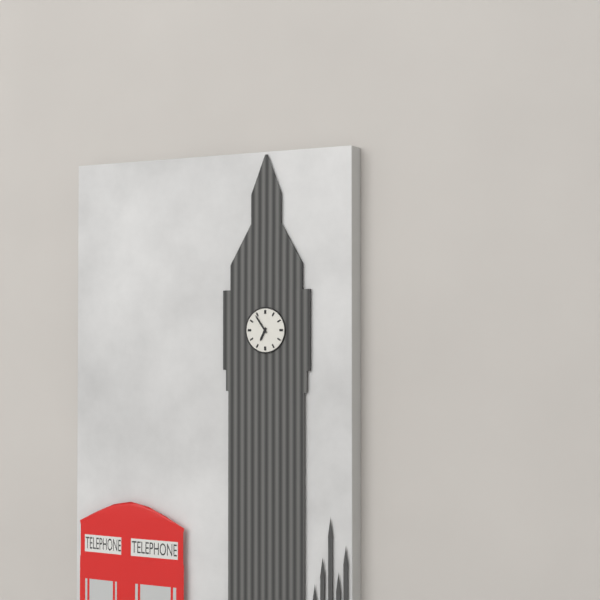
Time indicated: 6:54
